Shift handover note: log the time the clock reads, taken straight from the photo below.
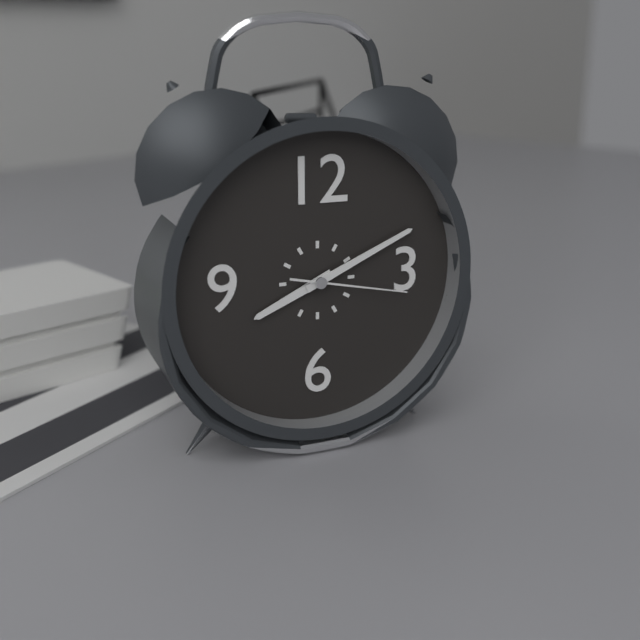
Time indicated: 8:11:17
